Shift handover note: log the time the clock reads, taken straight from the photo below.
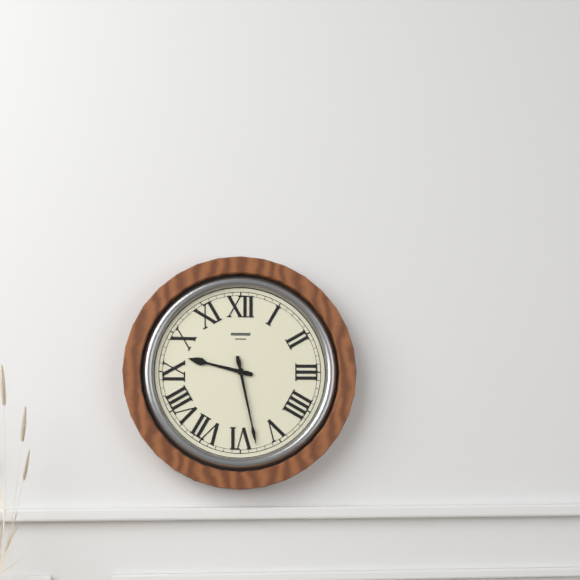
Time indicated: 9:28
